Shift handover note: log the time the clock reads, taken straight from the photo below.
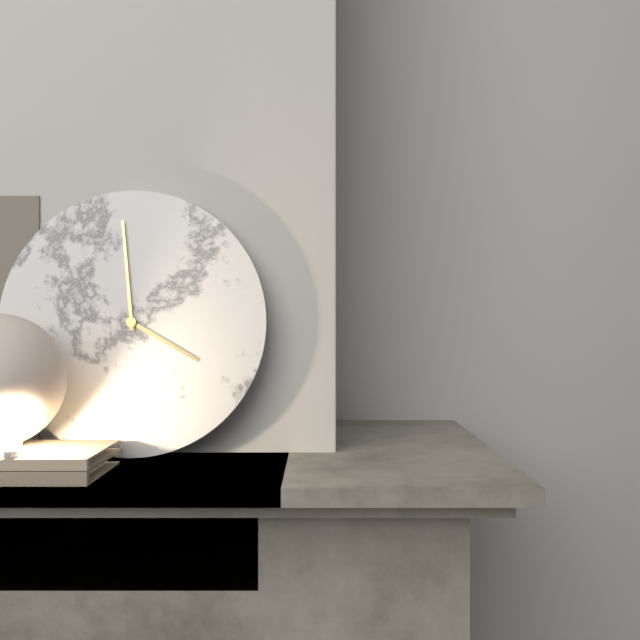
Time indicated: 3:59
